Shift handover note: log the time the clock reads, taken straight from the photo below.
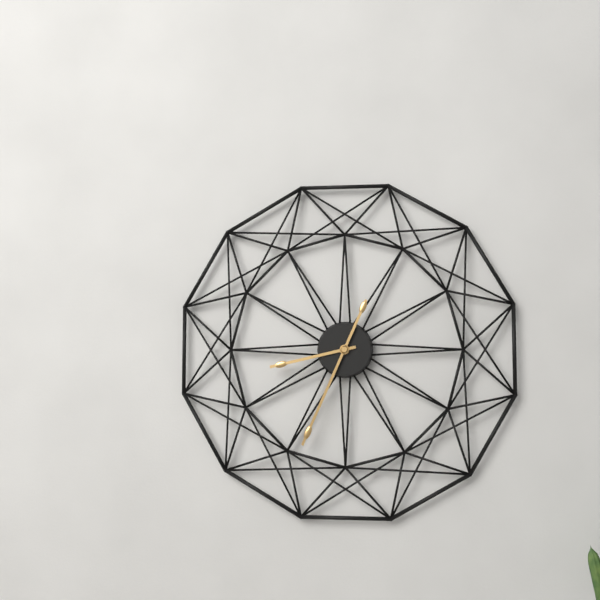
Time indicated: 8:34
